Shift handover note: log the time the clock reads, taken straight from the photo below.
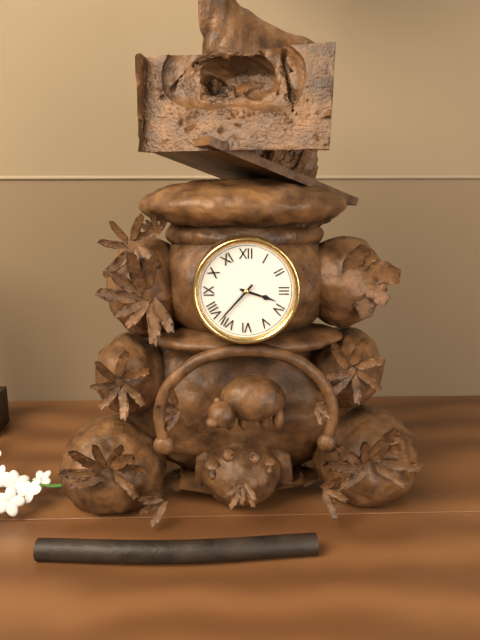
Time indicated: 3:37
